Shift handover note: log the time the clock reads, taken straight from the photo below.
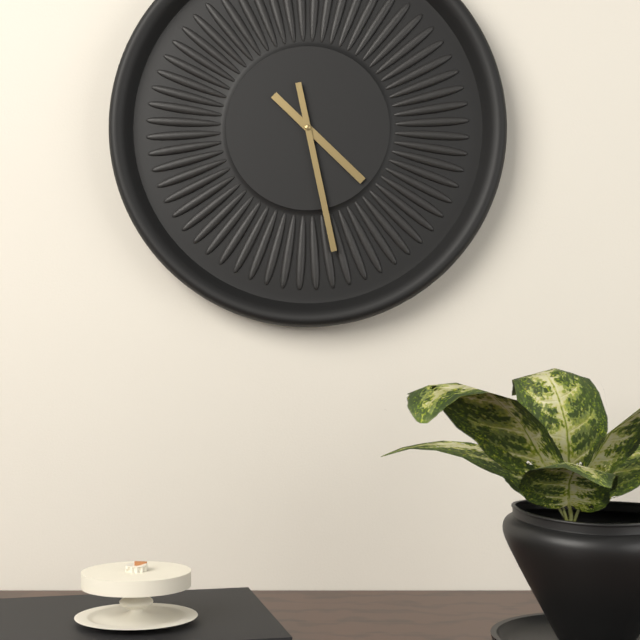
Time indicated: 4:28
